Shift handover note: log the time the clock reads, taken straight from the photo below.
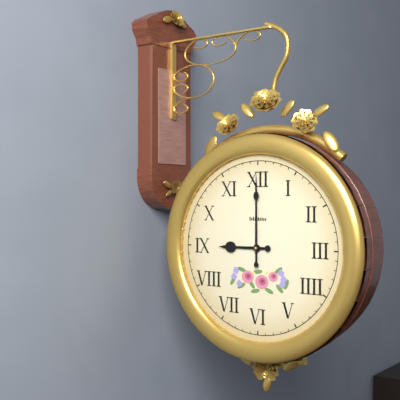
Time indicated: 9:00
